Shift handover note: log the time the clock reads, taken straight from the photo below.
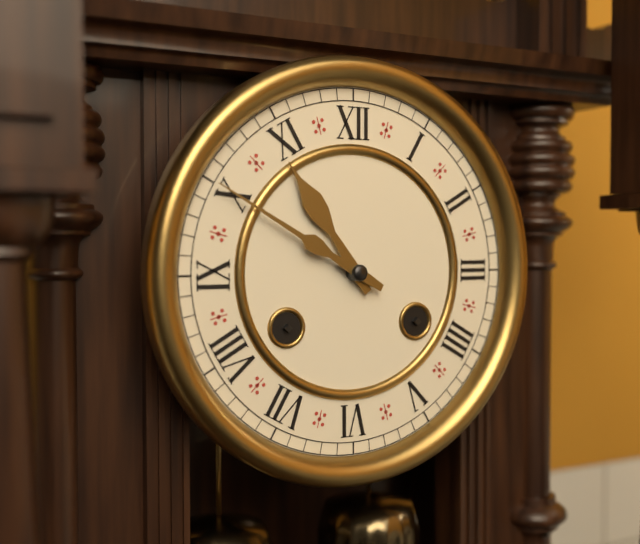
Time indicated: 10:50
